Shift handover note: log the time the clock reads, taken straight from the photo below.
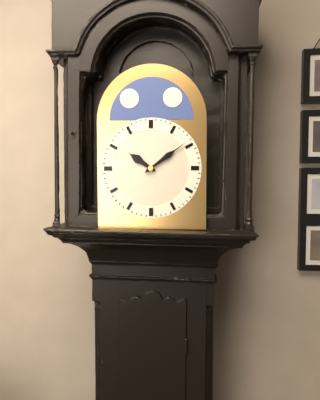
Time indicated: 10:09
